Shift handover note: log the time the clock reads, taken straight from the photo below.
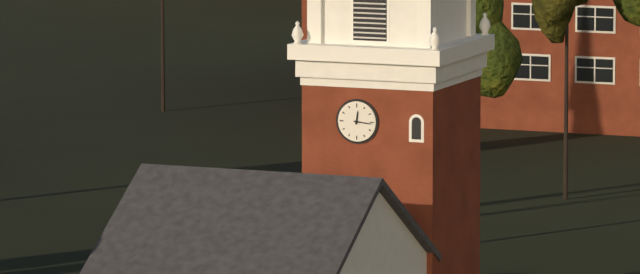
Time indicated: 12:16
